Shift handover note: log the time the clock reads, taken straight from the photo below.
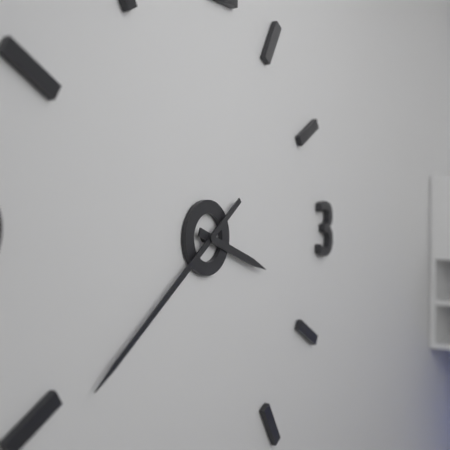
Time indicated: 3:39
